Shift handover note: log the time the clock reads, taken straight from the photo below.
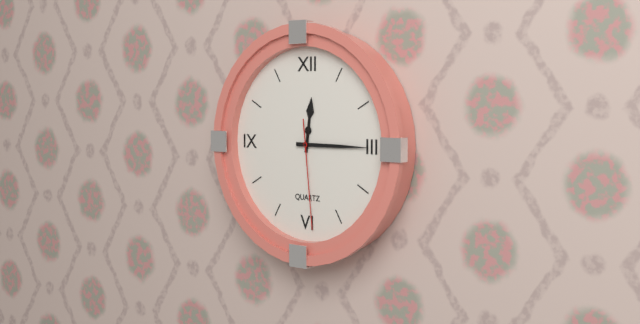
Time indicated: 12:15:29
